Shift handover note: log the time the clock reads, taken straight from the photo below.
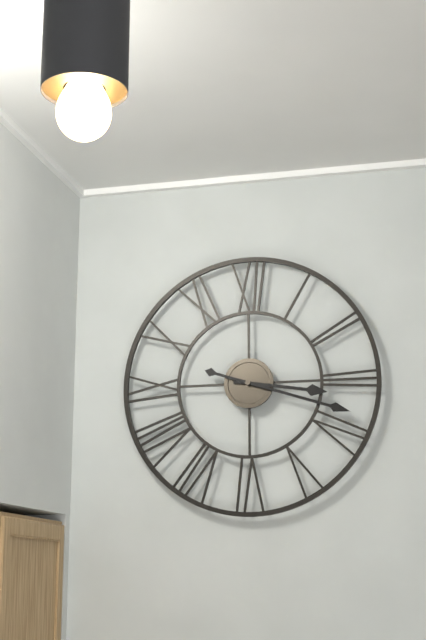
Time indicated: 3:18
